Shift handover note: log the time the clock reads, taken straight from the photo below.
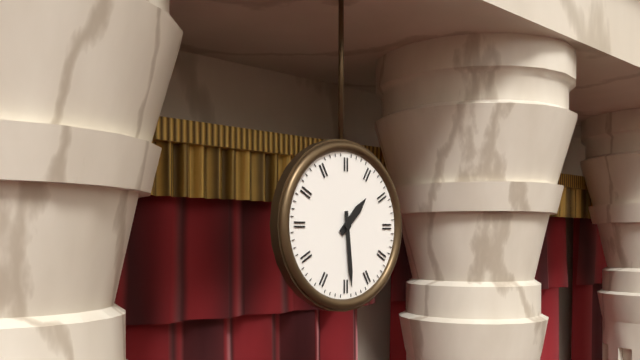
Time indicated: 1:29
